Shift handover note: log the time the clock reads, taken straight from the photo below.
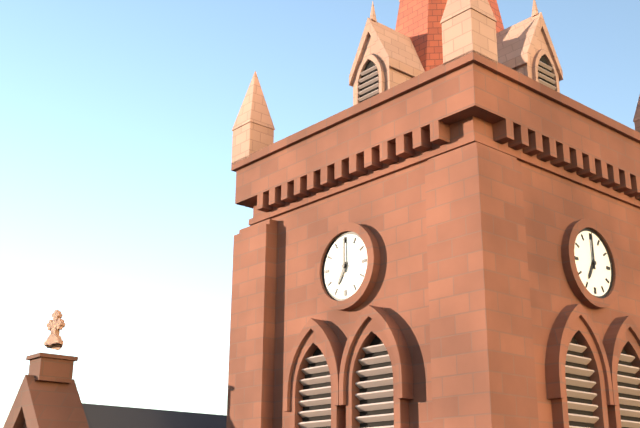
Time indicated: 7:00
